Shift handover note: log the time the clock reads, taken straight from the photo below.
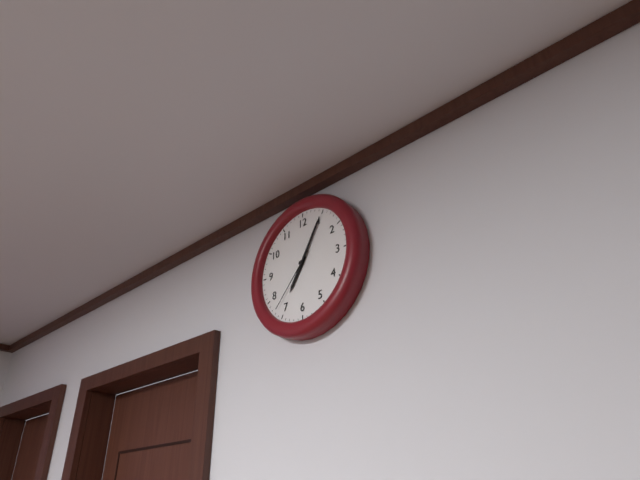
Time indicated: 7:05:37
